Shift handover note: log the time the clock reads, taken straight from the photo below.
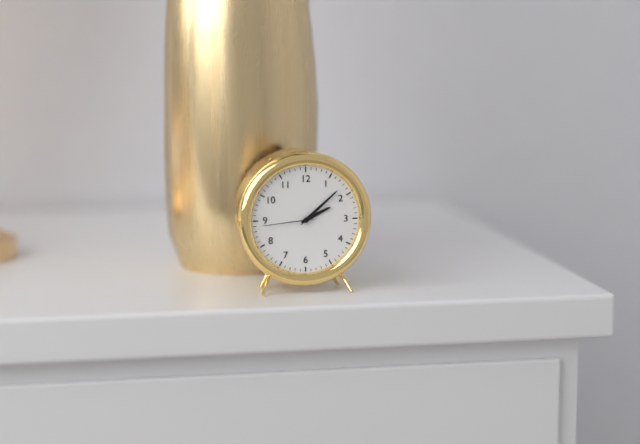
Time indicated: 2:08:44
